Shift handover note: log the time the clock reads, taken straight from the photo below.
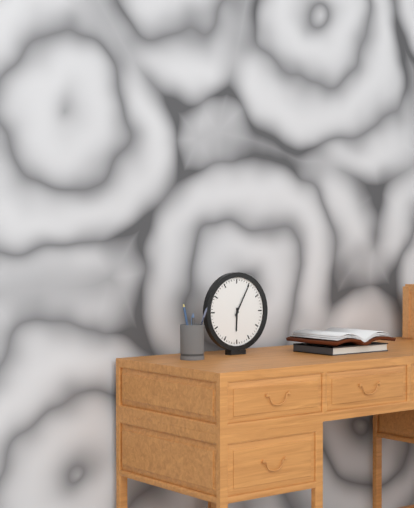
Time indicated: 6:05
